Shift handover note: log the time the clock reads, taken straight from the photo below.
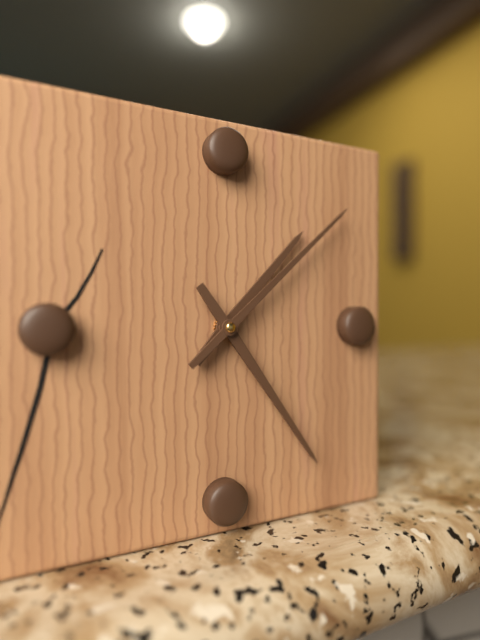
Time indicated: 1:24:08
